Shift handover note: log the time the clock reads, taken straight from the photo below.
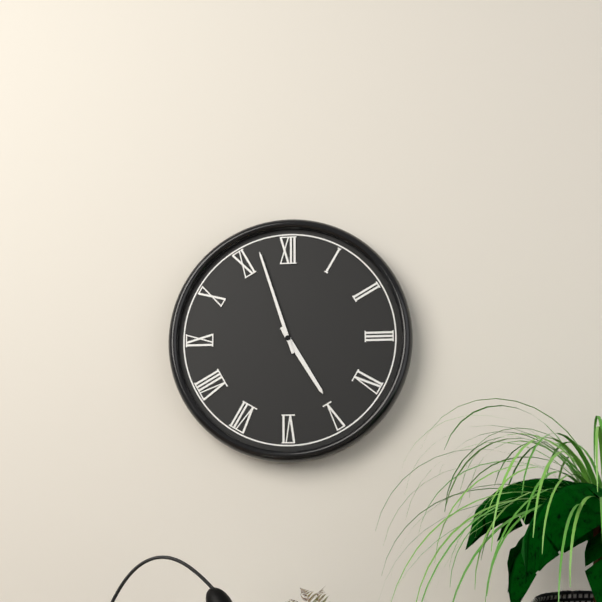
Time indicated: 4:57
